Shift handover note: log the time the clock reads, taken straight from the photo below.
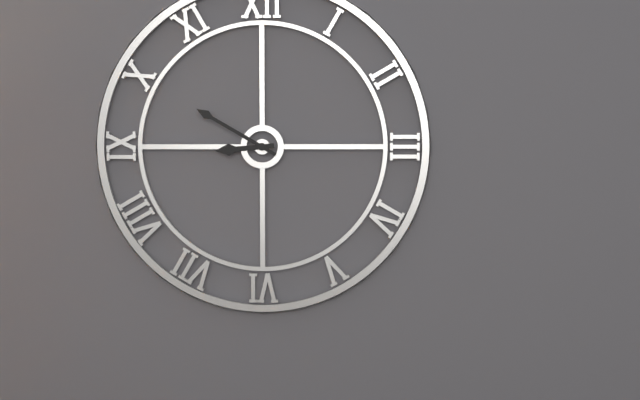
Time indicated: 8:50
